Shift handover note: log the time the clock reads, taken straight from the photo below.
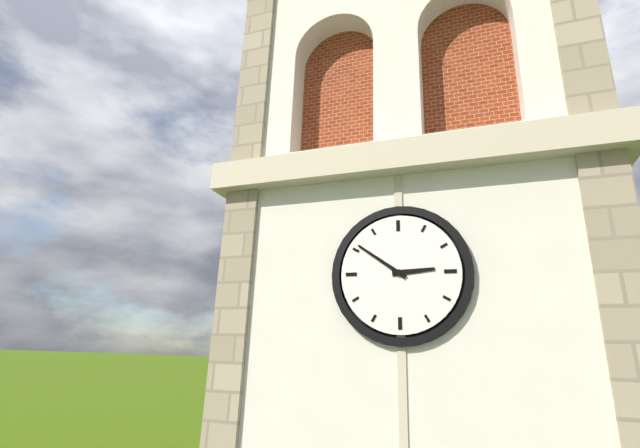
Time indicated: 2:51
